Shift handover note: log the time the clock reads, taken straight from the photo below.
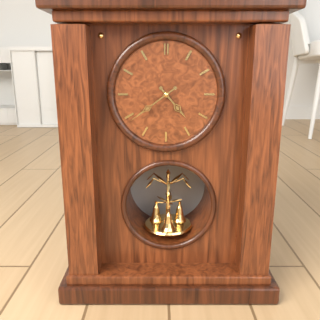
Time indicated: 4:39
